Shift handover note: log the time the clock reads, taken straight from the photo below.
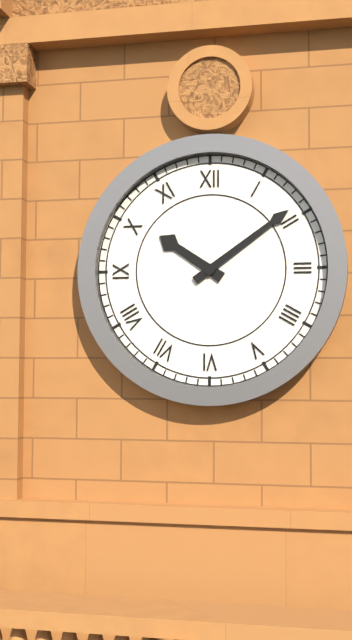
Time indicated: 10:09
